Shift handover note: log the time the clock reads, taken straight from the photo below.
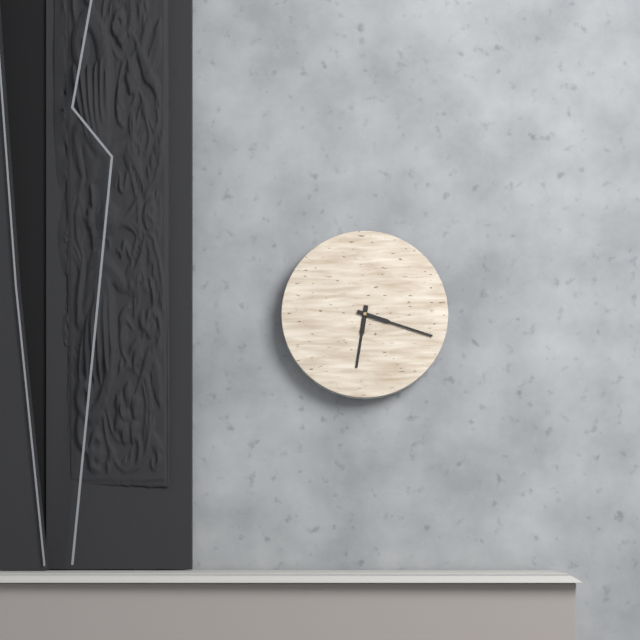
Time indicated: 6:18
